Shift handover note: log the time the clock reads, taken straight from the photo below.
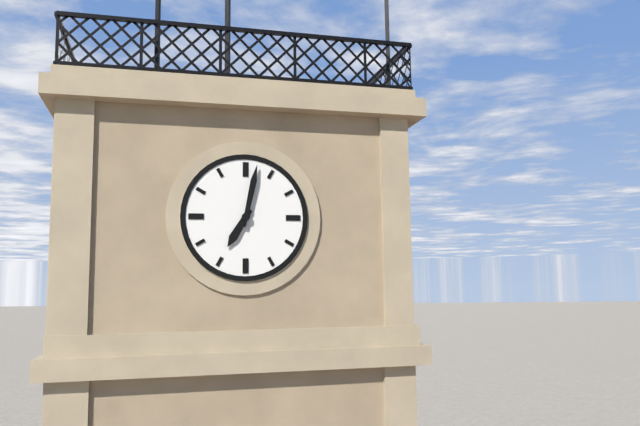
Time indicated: 7:02
